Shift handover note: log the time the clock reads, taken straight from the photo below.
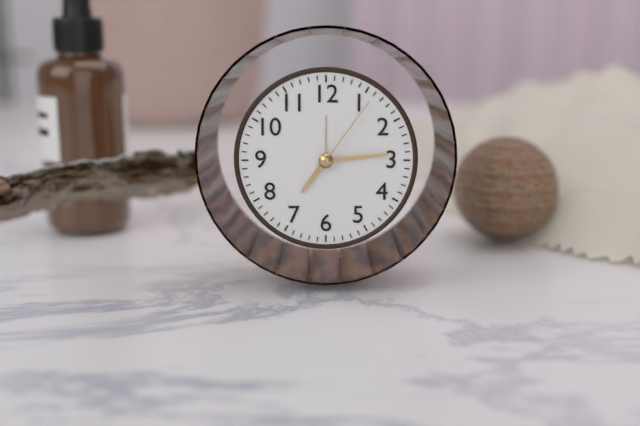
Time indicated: 7:14:06
